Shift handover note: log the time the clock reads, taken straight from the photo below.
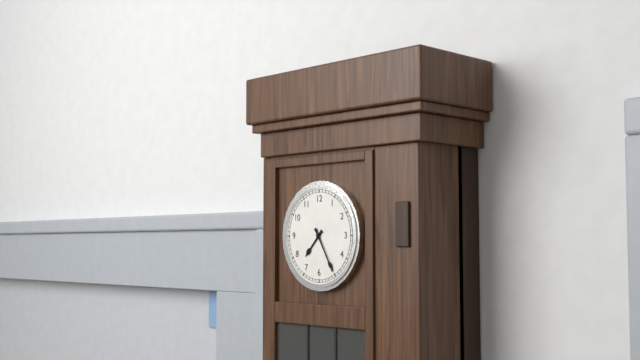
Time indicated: 7:25
